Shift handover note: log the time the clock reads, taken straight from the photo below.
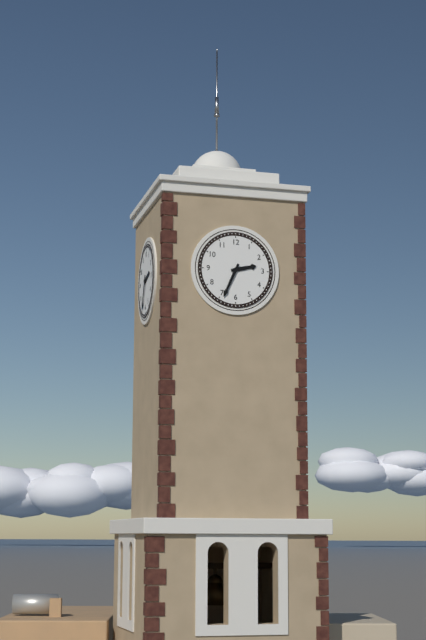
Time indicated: 2:34
